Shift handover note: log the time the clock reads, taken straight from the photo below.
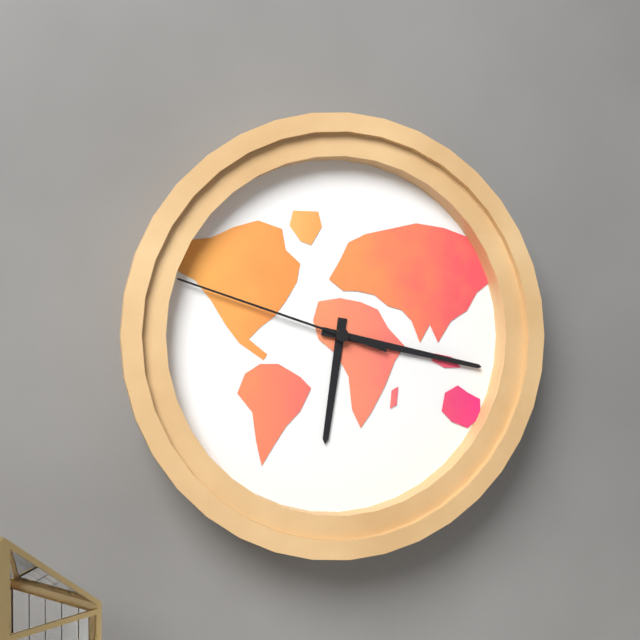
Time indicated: 6:17:48
